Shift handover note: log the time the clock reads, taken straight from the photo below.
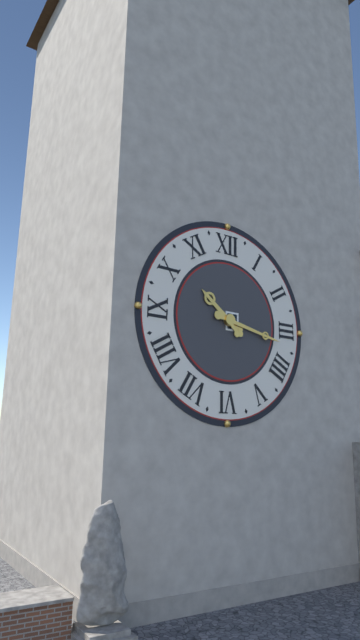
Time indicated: 10:17
